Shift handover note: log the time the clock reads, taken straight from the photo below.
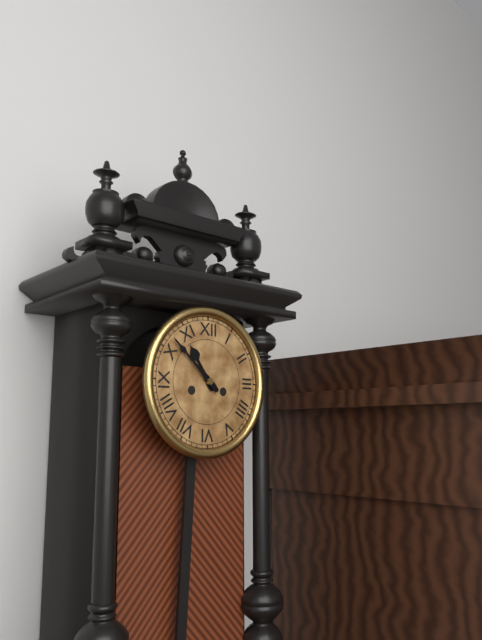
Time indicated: 10:52
